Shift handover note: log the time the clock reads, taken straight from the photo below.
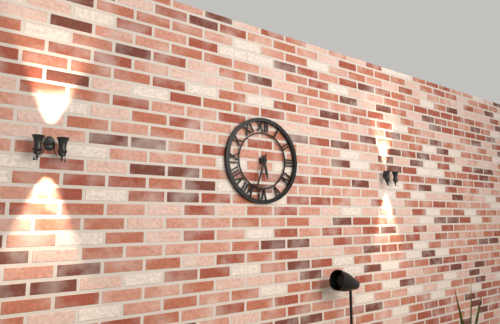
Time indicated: 5:33
